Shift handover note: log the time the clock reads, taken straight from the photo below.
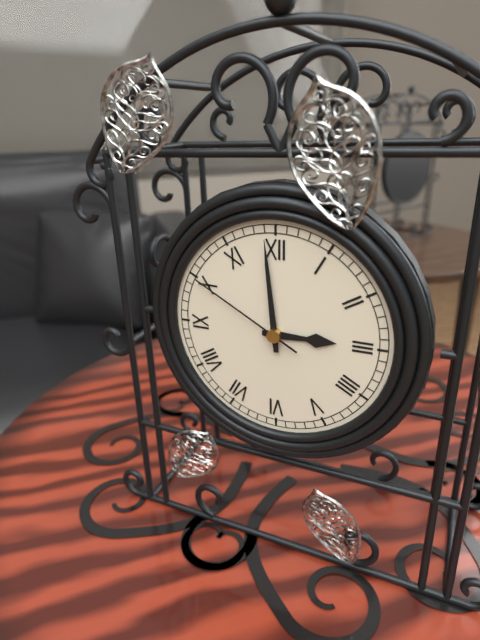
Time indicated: 2:59:50
